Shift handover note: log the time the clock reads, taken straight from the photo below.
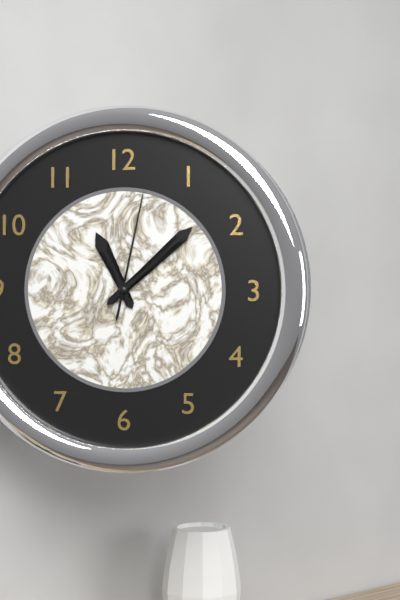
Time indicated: 11:08:02
